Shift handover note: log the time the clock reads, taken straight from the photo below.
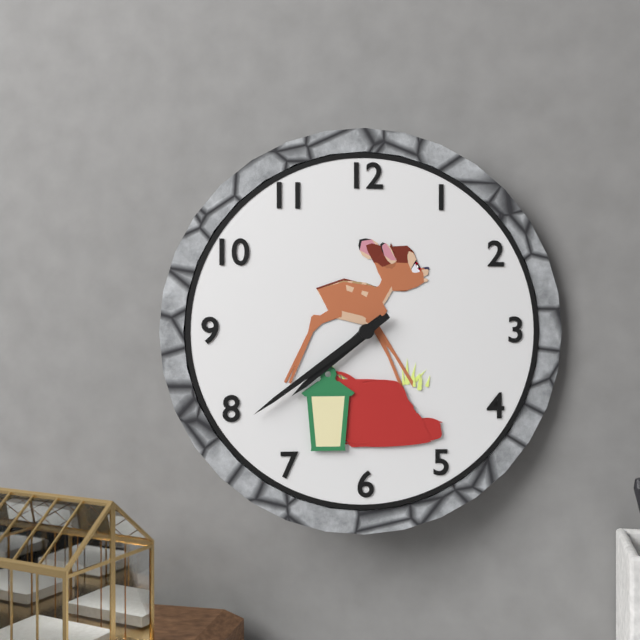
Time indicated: 7:39
